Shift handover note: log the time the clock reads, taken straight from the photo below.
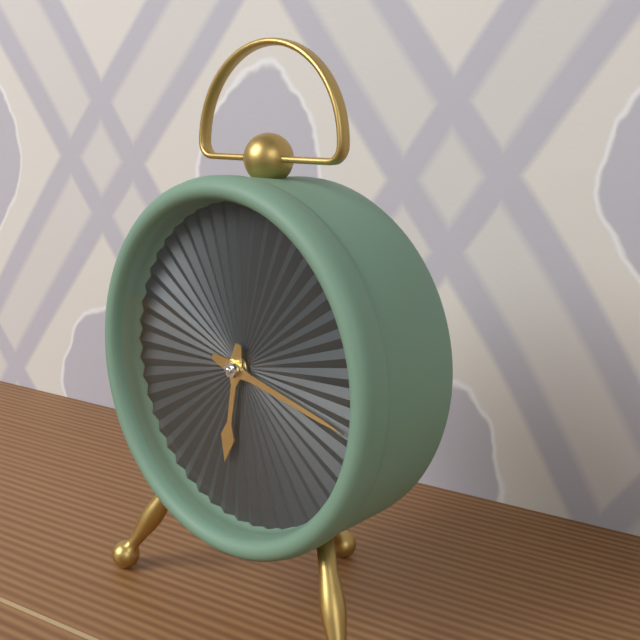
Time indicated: 6:17
